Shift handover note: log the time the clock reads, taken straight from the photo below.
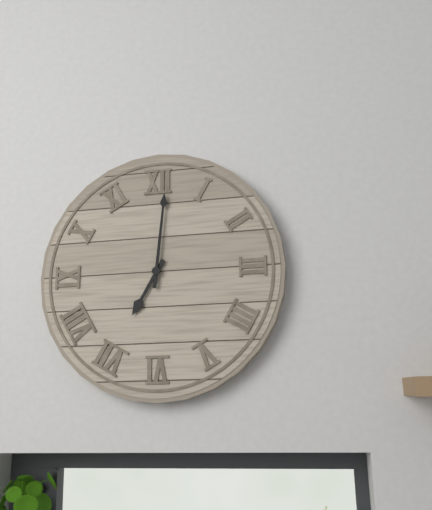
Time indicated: 7:01
